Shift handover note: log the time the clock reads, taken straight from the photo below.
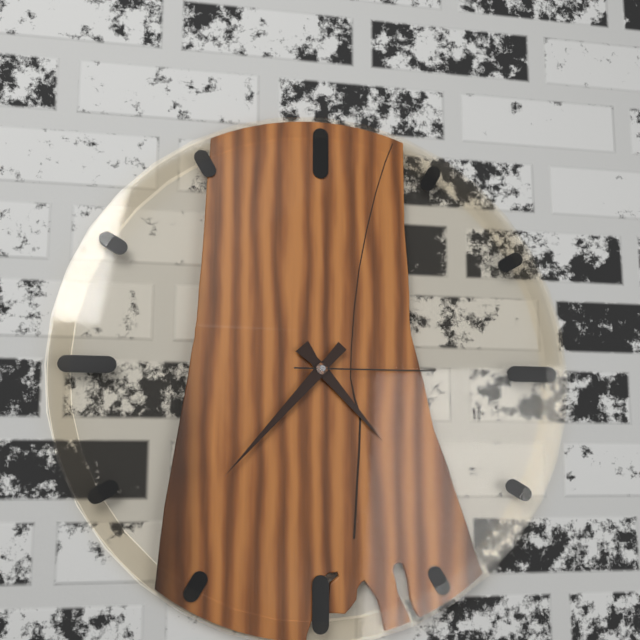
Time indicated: 4:37:15
